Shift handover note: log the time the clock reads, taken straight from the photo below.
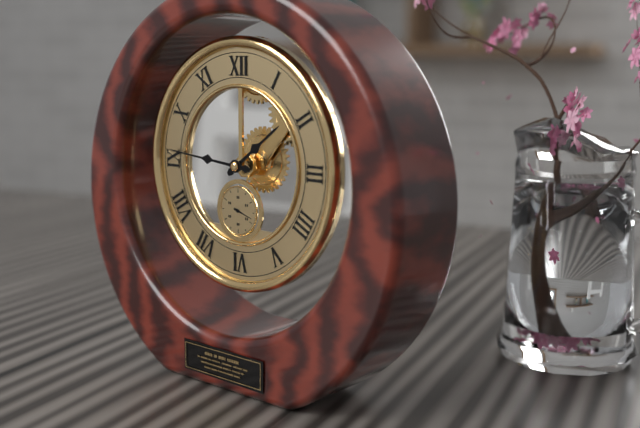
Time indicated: 1:46
